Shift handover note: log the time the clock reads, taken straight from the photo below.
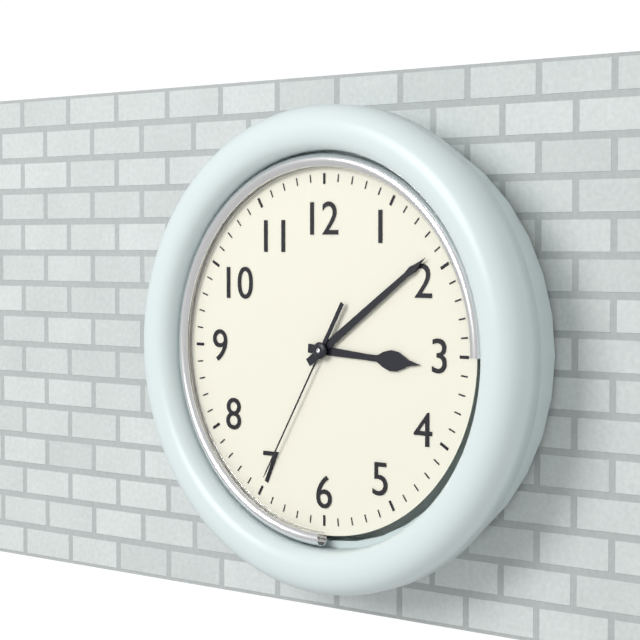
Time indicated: 3:09:35
